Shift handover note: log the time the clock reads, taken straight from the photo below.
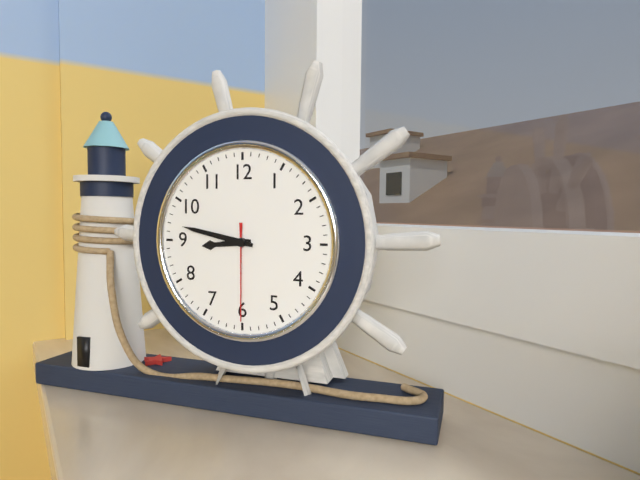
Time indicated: 8:47:30
